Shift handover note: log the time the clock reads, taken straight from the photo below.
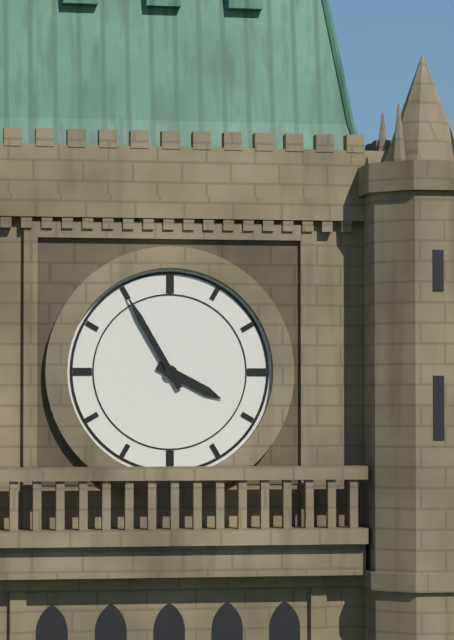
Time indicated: 3:55
